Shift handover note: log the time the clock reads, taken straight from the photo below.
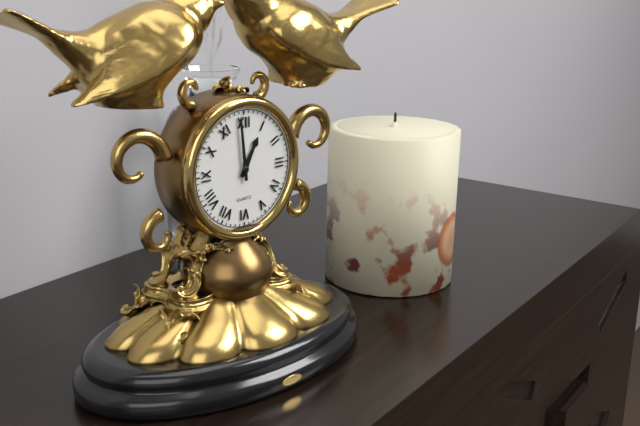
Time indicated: 12:59
